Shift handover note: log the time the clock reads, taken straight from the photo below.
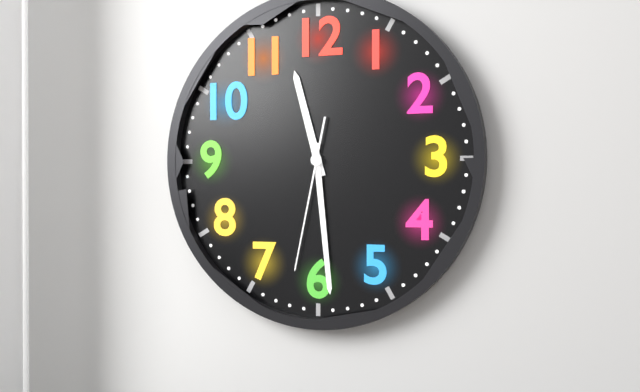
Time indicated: 11:29:32
